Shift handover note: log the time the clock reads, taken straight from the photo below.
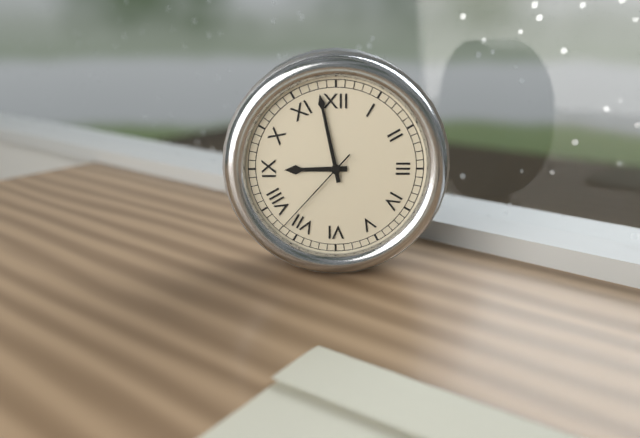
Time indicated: 8:58:37
